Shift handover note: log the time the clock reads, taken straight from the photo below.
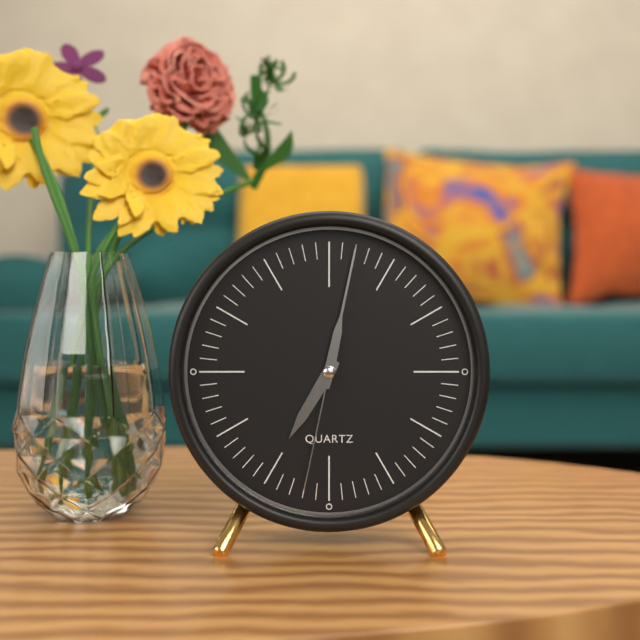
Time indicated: 7:02:32
